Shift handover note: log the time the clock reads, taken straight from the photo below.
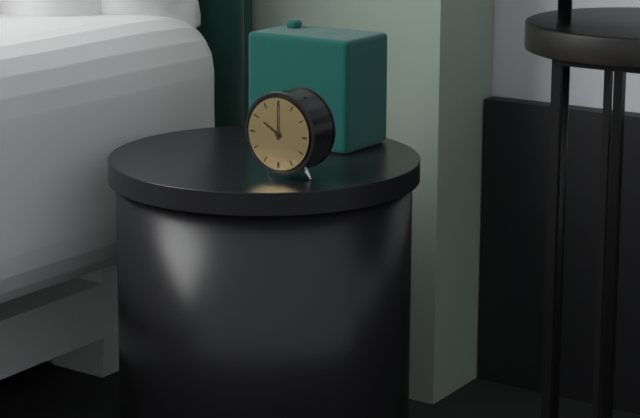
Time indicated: 10:00
